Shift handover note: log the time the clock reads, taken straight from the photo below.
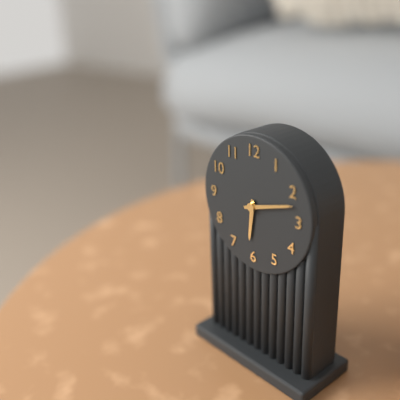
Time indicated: 6:12
